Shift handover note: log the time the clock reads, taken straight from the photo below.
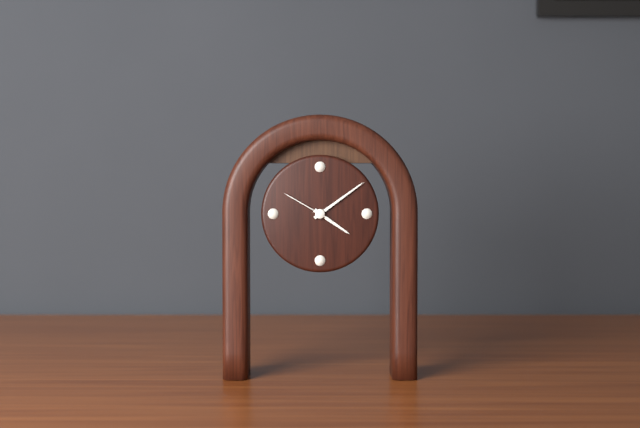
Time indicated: 4:09:50
